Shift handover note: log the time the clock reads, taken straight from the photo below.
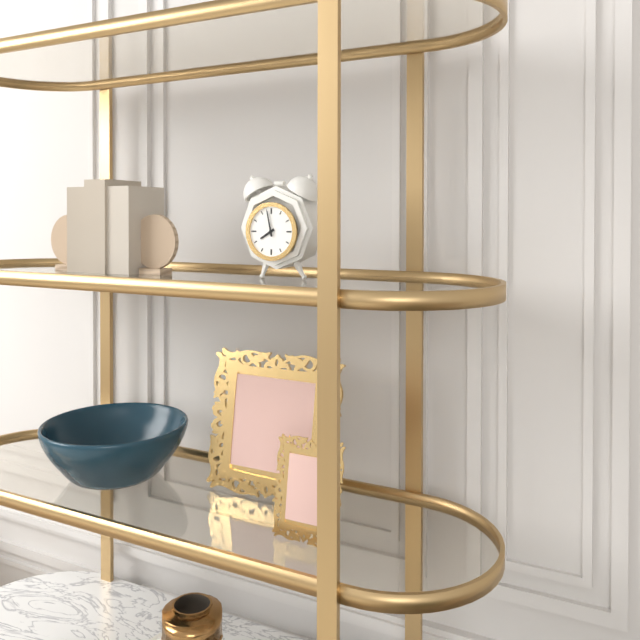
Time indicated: 7:58
